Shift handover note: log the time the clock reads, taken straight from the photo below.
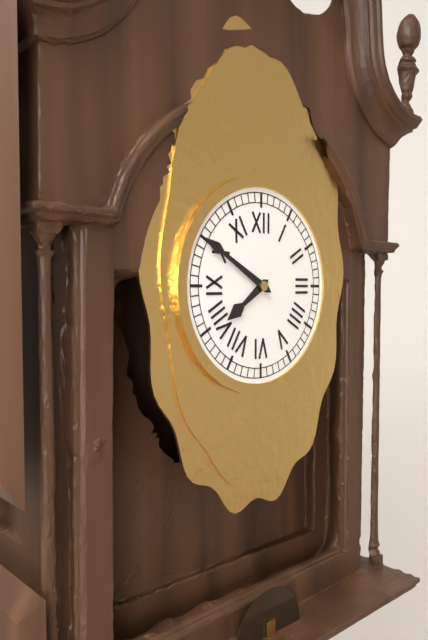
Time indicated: 7:50
